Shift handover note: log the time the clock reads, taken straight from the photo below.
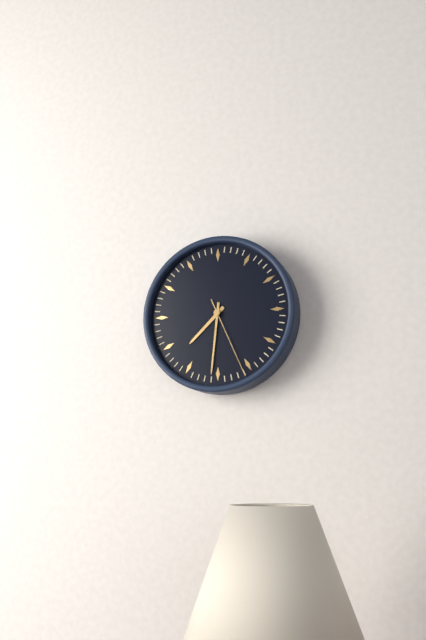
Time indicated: 7:31:26
